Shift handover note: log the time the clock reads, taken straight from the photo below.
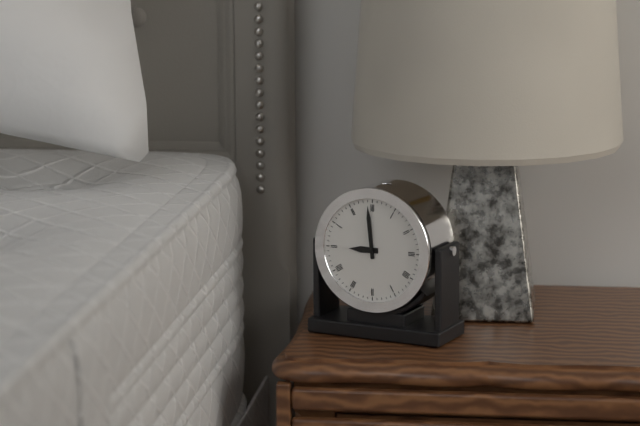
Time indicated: 8:59
